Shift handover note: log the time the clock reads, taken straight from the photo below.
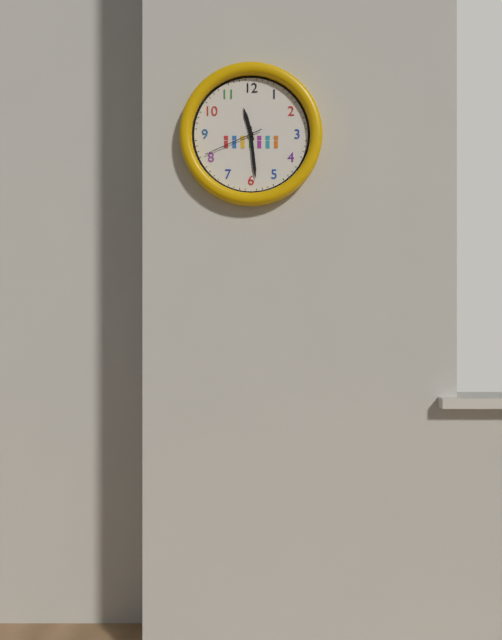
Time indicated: 11:29:41
